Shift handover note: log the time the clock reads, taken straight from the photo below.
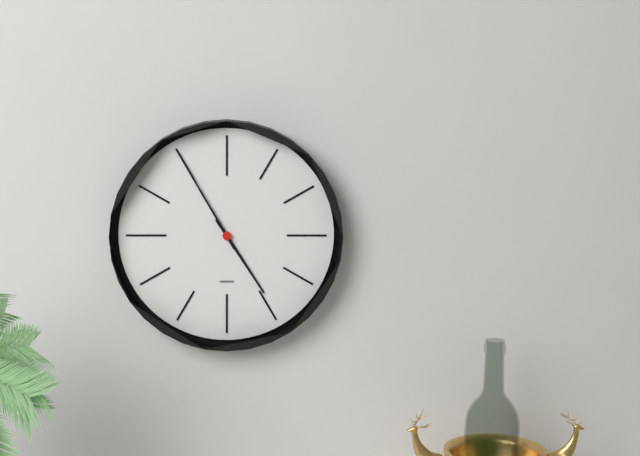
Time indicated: 4:55
